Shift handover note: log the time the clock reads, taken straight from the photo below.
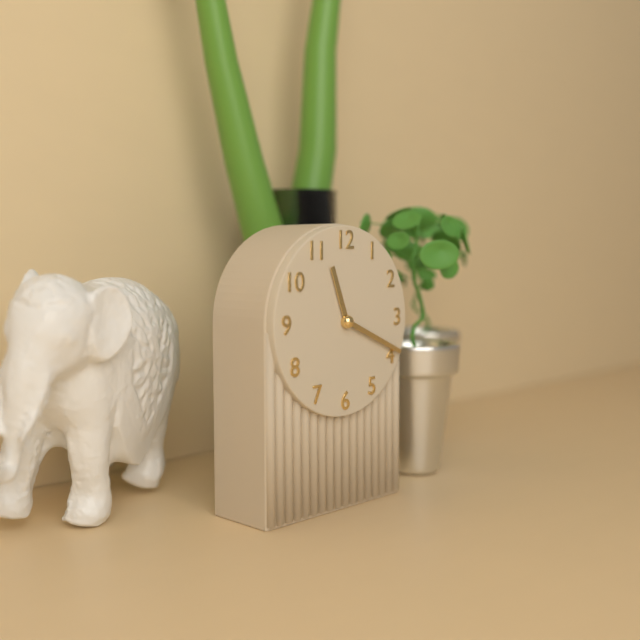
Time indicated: 11:19
